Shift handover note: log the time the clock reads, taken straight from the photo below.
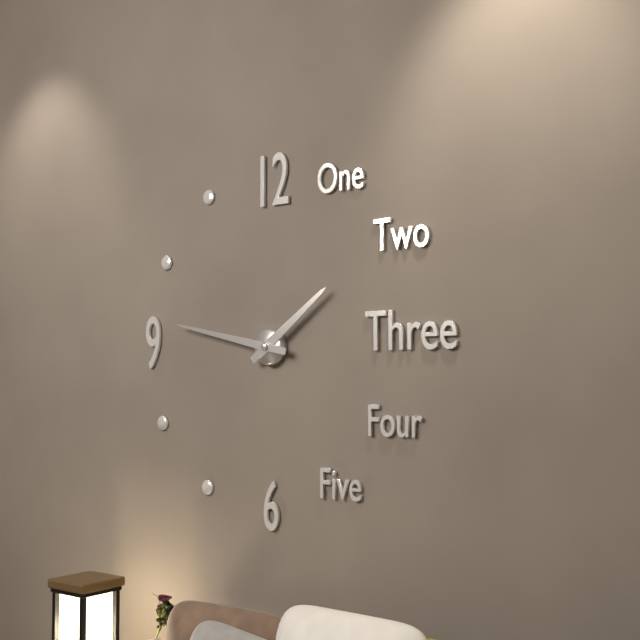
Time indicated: 1:47
